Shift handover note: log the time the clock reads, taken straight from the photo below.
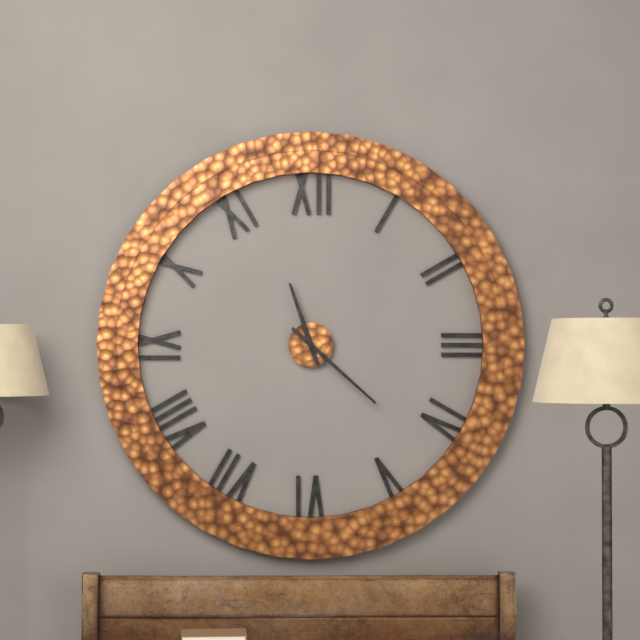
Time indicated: 11:22
